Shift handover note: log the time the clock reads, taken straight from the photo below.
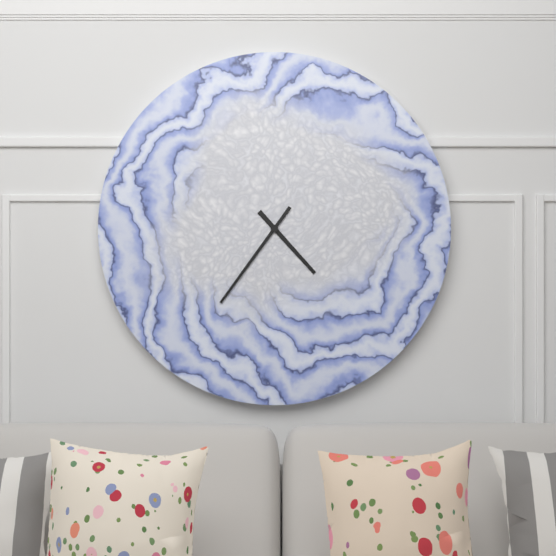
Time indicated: 4:36
